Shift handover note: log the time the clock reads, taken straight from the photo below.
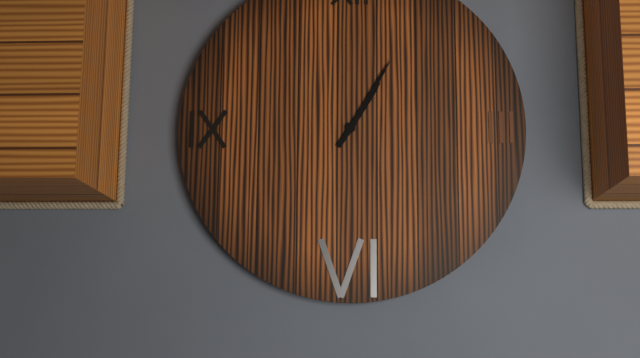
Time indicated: 1:05
